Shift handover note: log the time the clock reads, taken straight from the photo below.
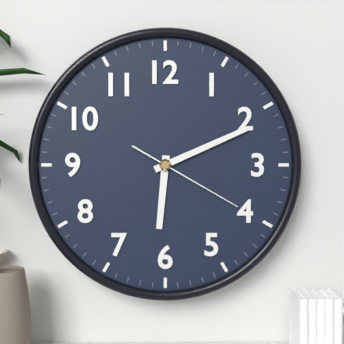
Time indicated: 6:11:20
